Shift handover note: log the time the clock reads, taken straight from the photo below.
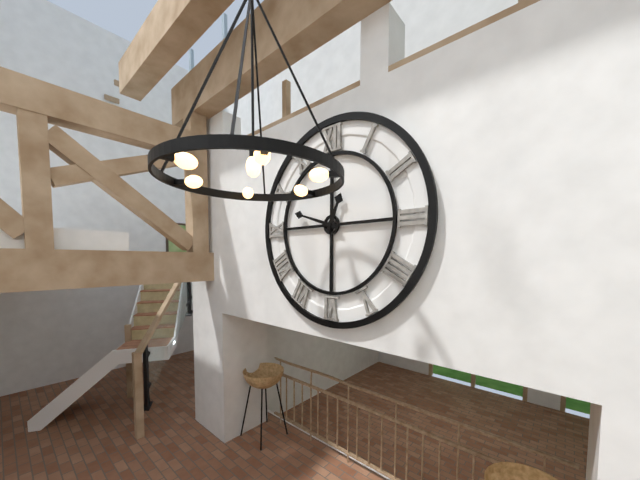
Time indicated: 12:48
